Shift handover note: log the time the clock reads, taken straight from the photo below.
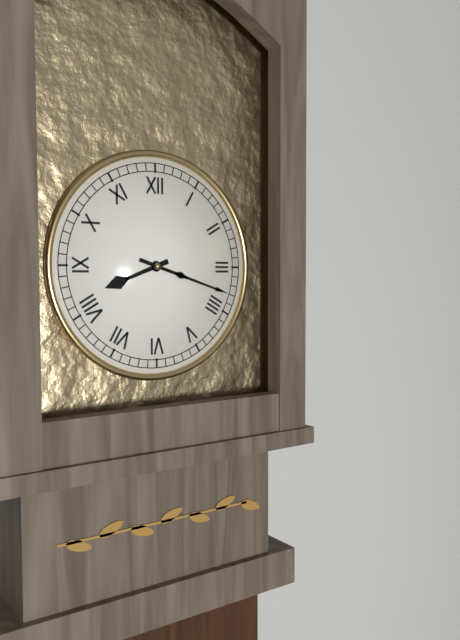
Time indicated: 8:18
